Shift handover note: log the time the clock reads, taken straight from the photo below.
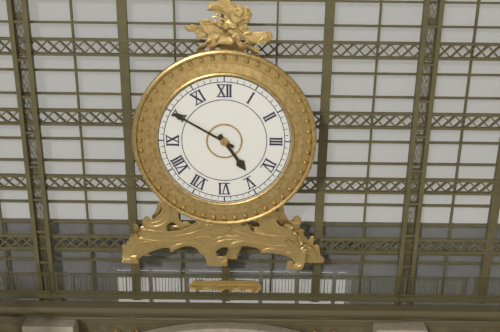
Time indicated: 4:50
